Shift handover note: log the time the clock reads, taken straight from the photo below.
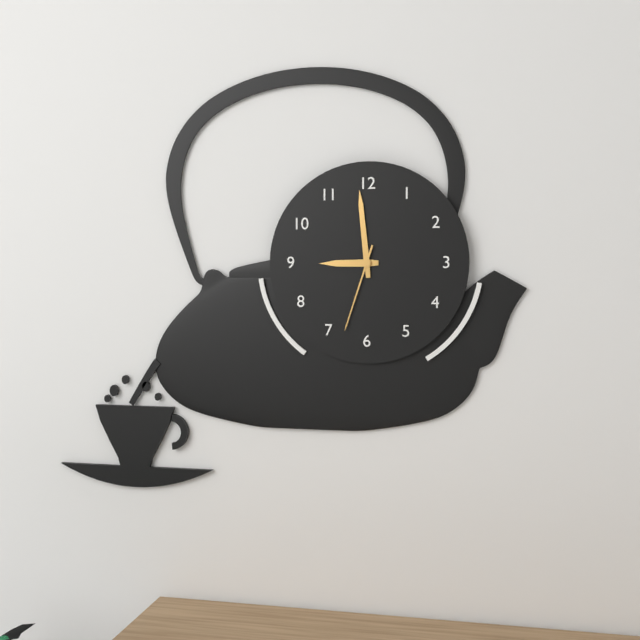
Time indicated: 8:59:33
